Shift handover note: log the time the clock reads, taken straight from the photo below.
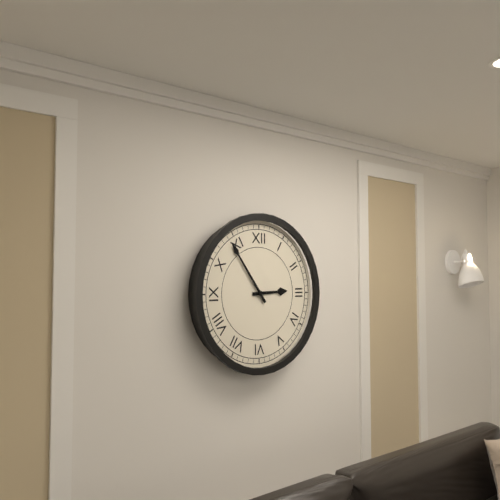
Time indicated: 2:54
